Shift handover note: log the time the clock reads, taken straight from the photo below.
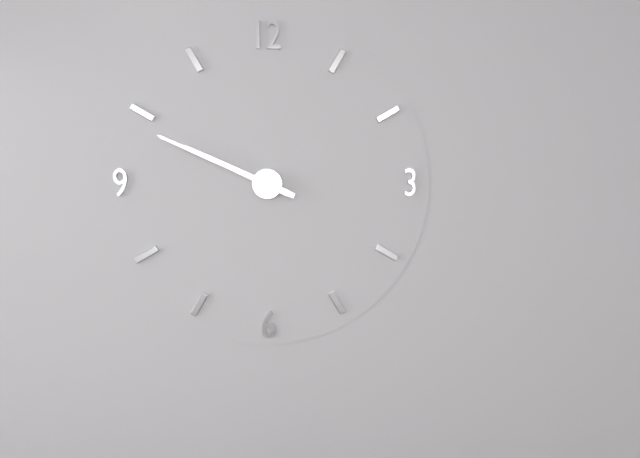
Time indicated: 9:49
